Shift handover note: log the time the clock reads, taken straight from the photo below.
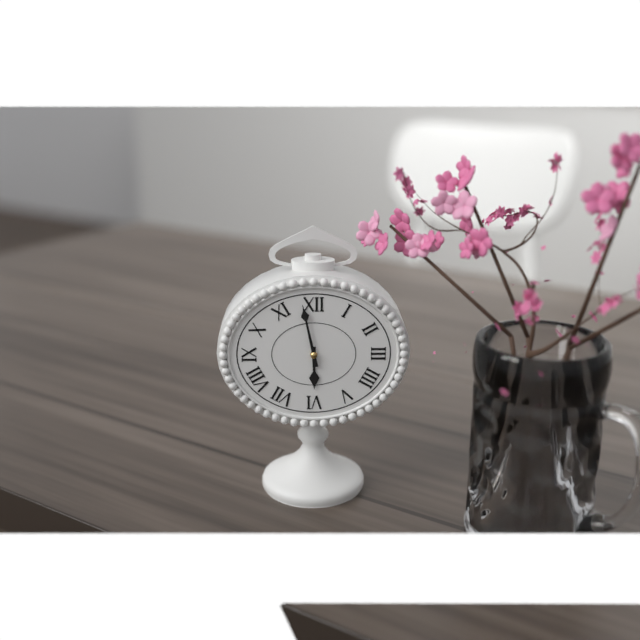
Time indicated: 5:58
